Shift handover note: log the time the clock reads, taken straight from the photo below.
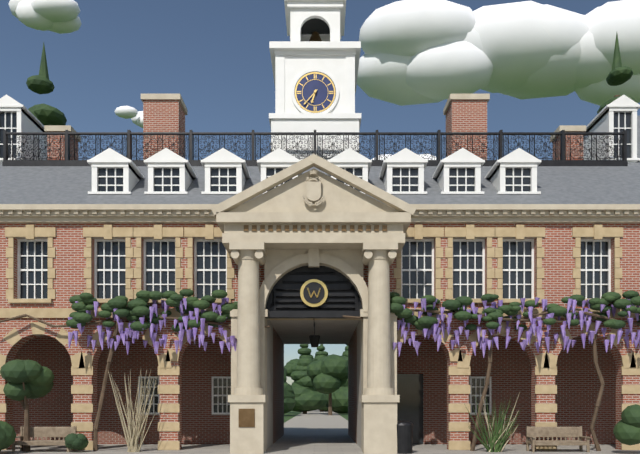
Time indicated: 6:37
